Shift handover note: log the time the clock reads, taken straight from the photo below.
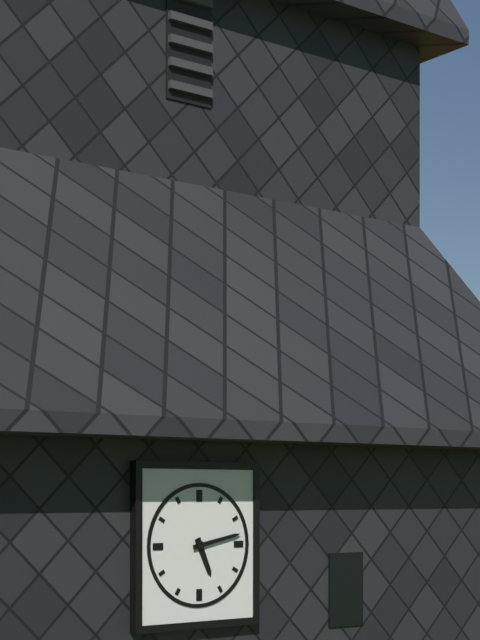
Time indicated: 5:13
